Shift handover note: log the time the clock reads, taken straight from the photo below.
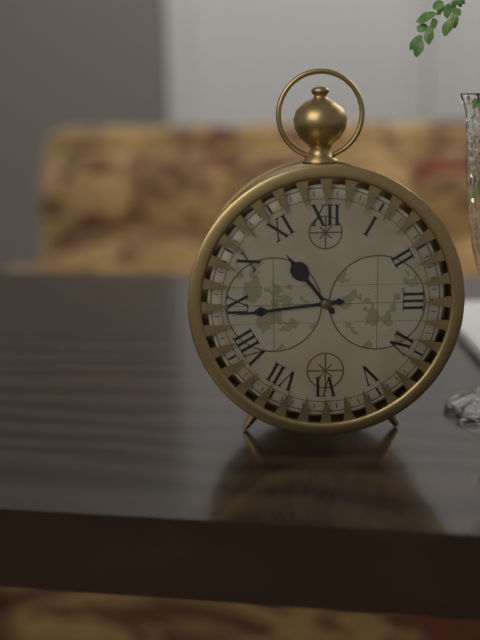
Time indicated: 10:44
